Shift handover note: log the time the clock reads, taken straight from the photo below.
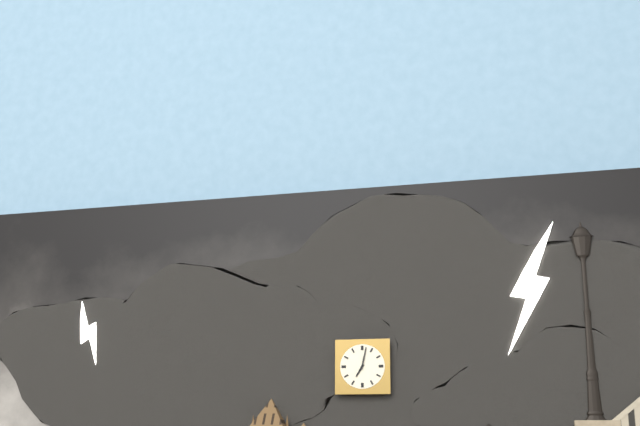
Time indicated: 7:02
